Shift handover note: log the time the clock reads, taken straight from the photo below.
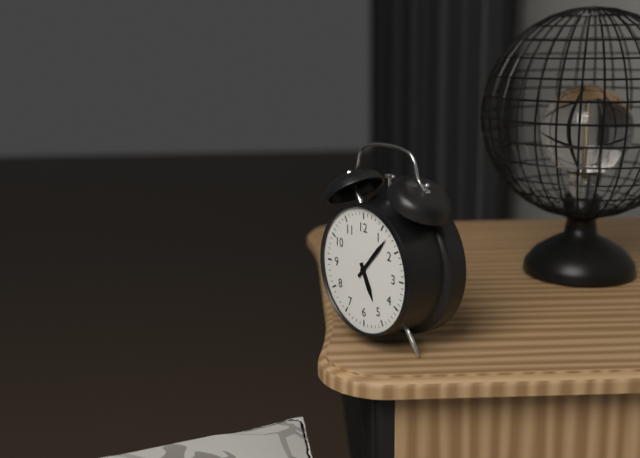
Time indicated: 5:07
